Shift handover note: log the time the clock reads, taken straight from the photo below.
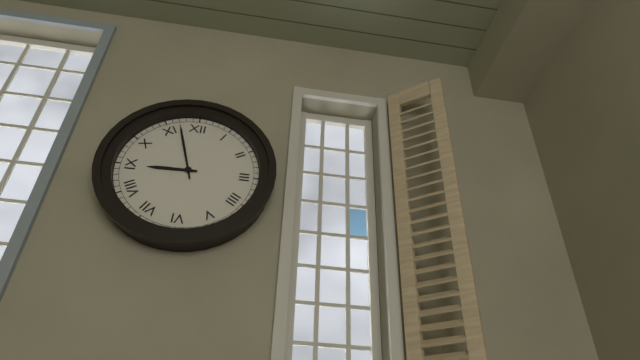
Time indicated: 8:57
